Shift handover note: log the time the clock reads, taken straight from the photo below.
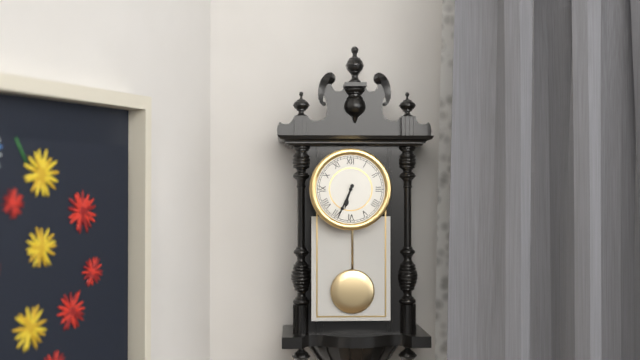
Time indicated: 6:34
